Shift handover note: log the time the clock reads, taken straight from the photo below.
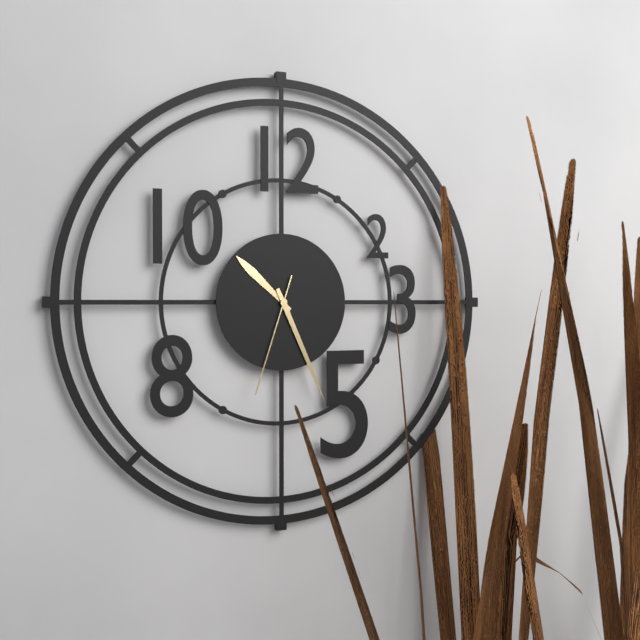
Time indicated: 10:26:33
